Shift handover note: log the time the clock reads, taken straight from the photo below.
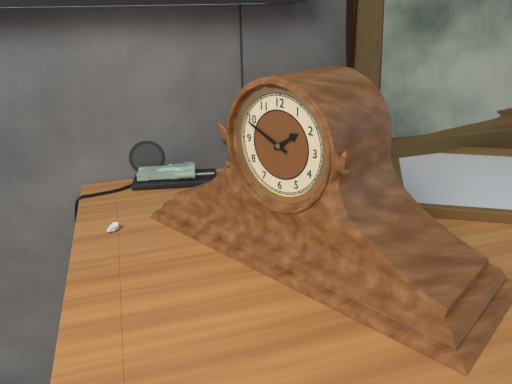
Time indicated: 1:49
